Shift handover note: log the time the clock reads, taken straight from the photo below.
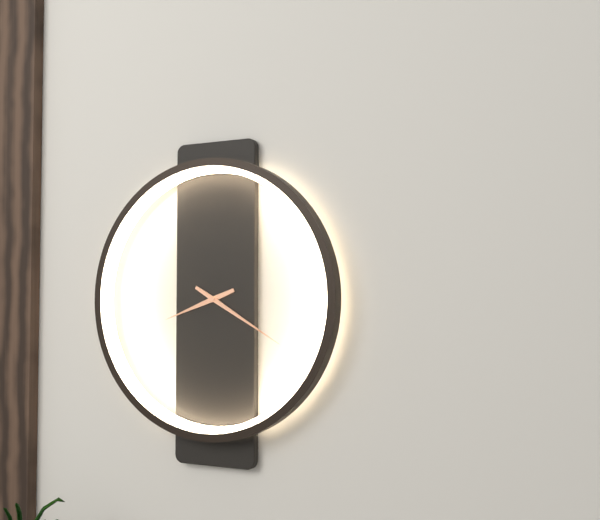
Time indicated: 8:20
